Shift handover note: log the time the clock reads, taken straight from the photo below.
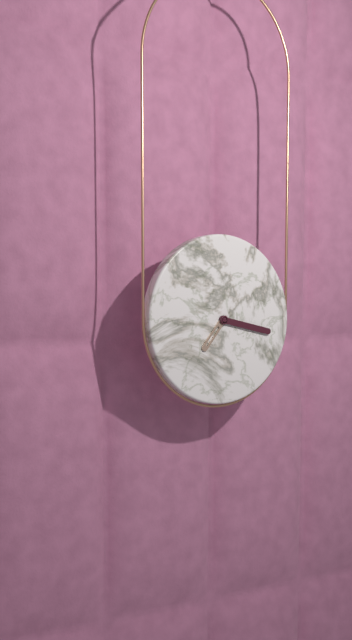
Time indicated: 7:17
